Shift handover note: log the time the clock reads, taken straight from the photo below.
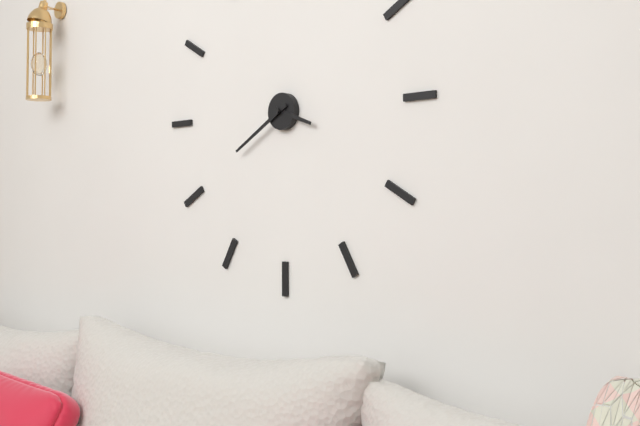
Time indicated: 3:40
